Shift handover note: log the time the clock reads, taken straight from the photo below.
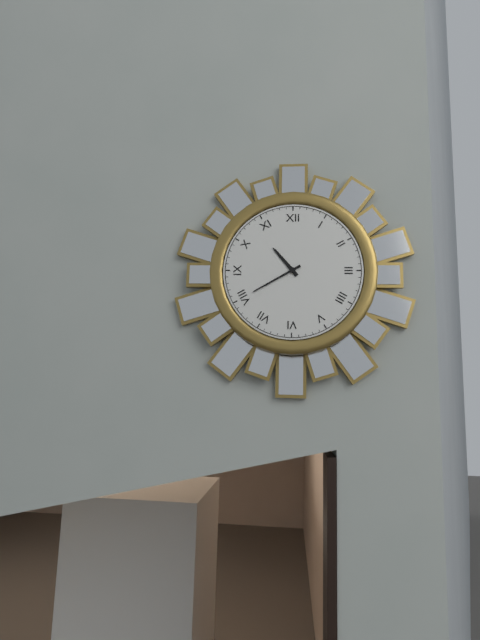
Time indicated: 10:40
